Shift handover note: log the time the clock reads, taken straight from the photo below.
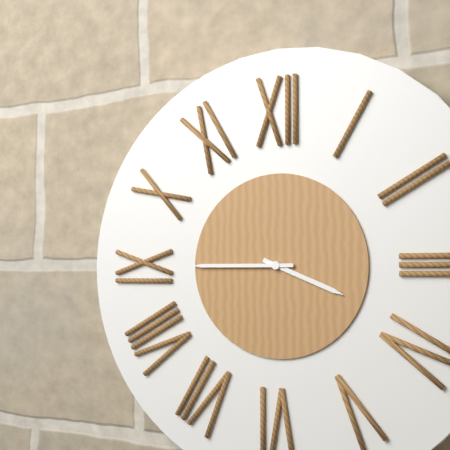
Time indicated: 3:45
